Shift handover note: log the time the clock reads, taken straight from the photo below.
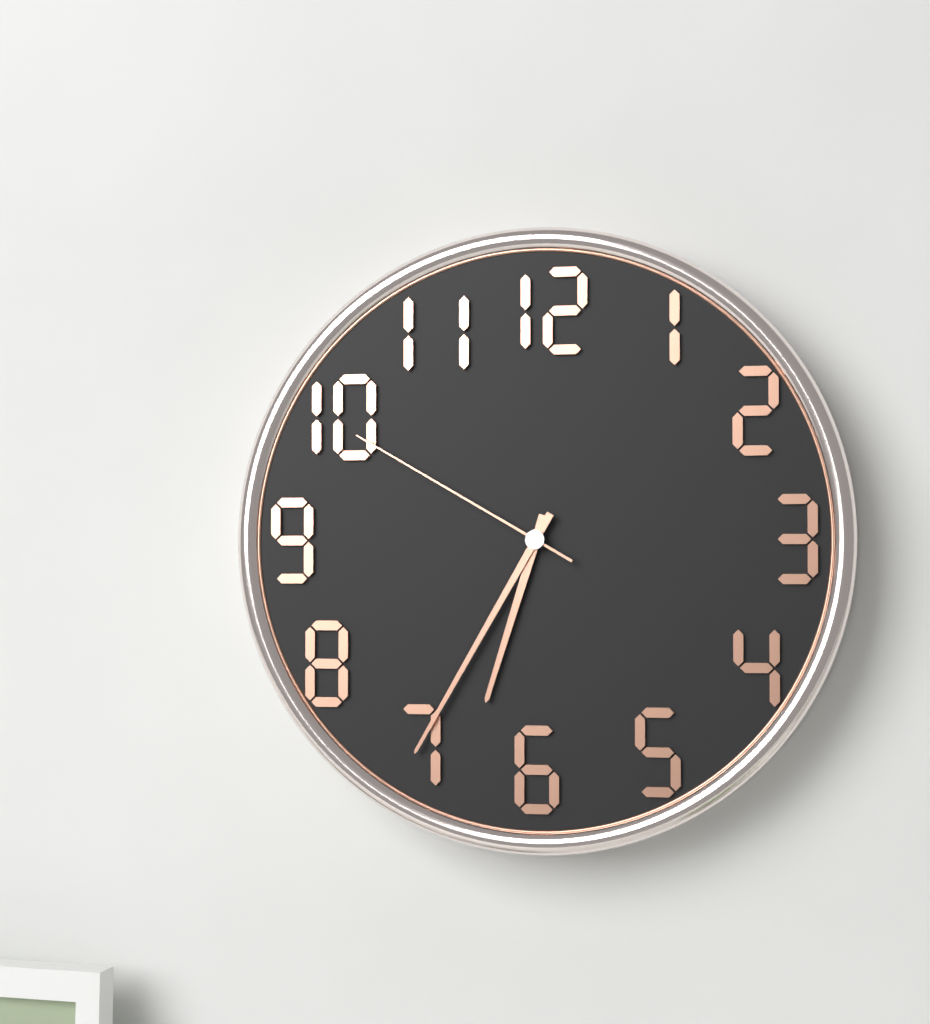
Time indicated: 6:35:50
